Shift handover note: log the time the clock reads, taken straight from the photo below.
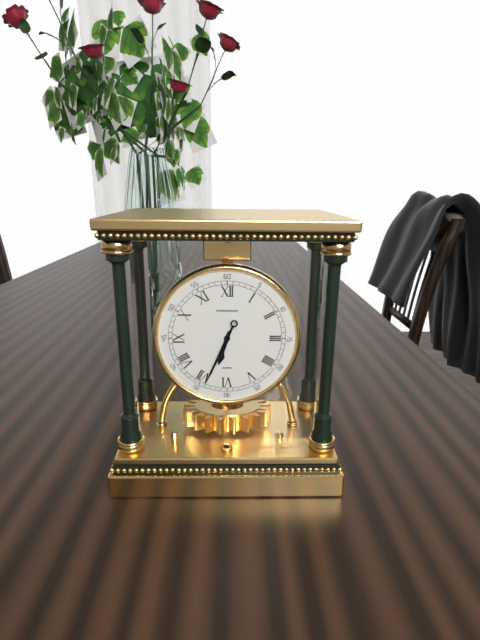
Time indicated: 6:34
